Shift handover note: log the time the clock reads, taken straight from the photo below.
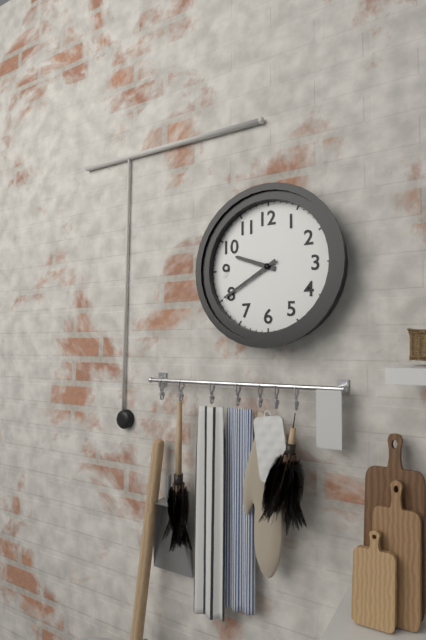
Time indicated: 9:40
